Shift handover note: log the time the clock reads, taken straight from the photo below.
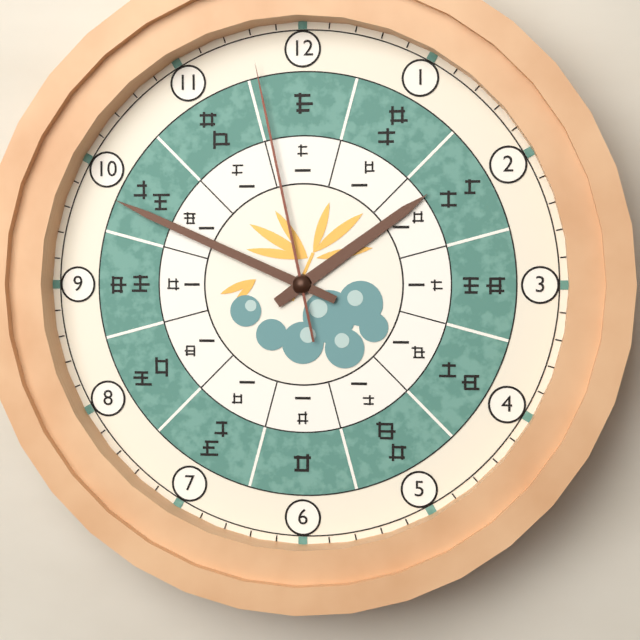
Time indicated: 1:49:58
